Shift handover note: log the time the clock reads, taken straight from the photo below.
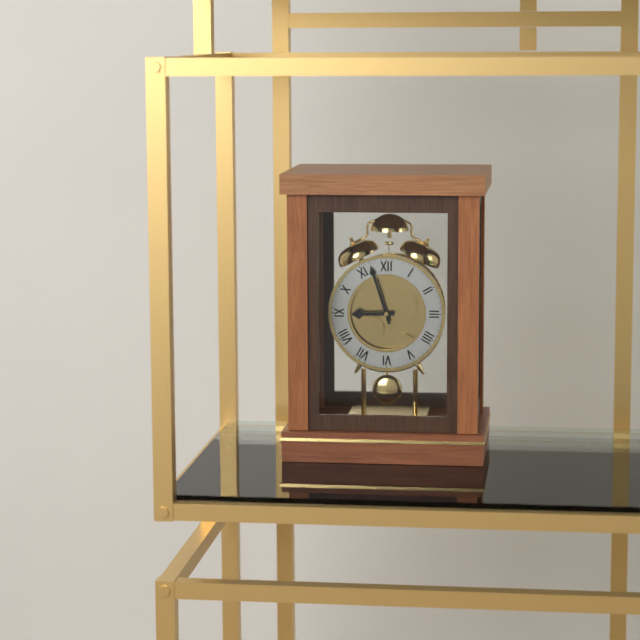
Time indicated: 8:57
